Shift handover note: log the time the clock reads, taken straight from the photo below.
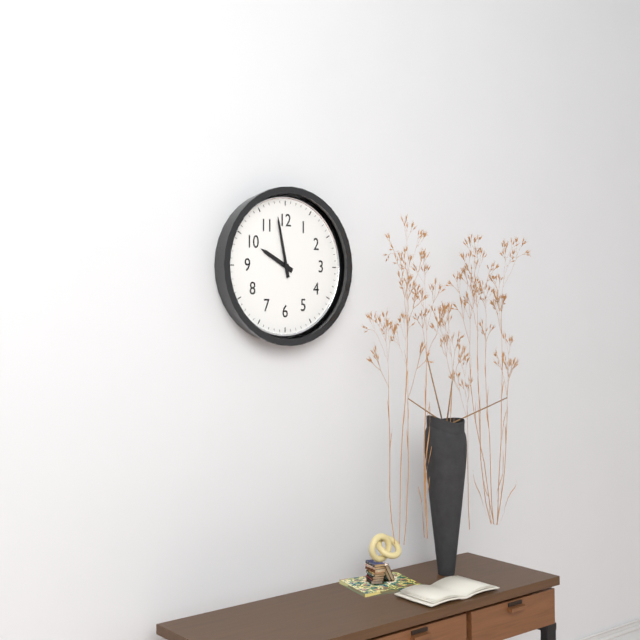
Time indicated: 9:58
